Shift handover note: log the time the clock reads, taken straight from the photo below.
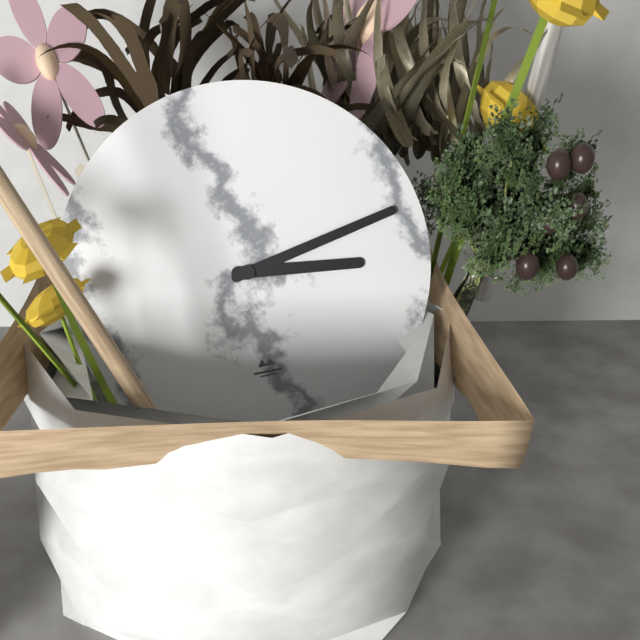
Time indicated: 3:13
